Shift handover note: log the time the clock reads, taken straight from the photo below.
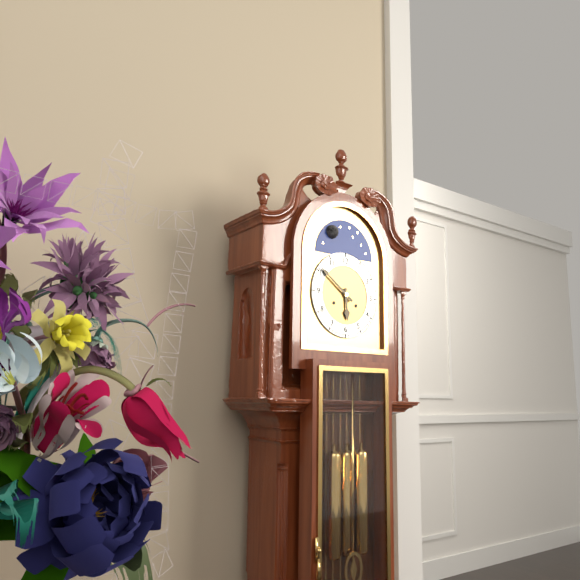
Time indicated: 5:51
